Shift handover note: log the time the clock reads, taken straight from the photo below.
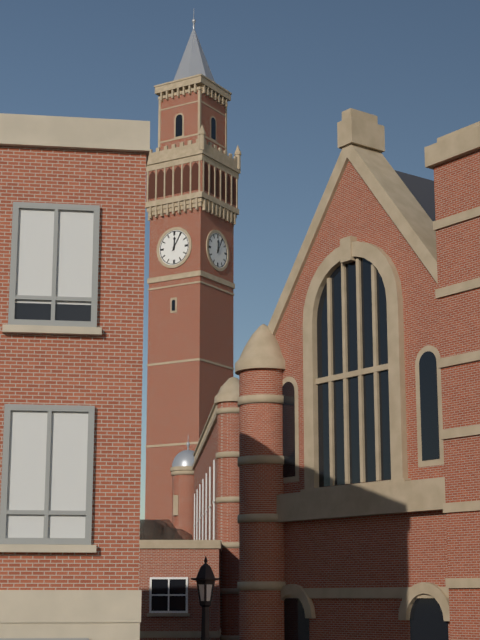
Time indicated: 12:05
